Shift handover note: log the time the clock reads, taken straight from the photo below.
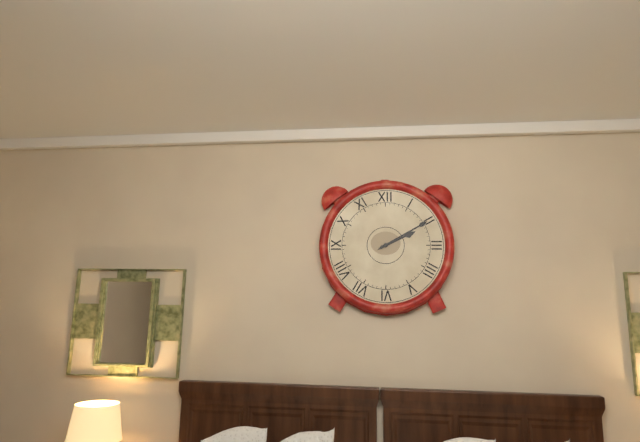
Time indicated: 2:10
